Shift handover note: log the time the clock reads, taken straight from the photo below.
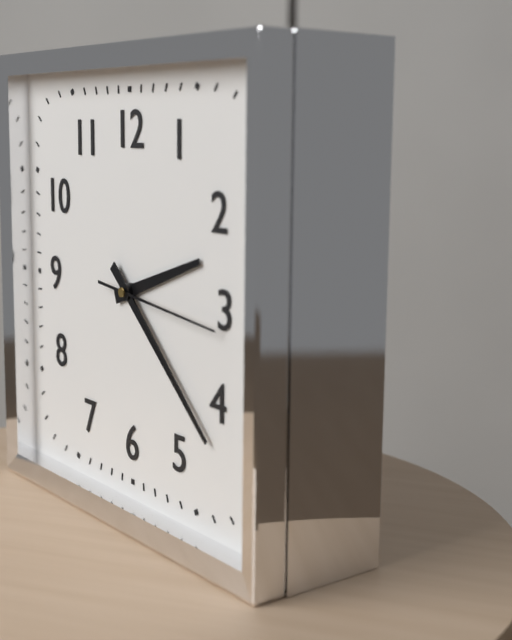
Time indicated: 2:22:16
